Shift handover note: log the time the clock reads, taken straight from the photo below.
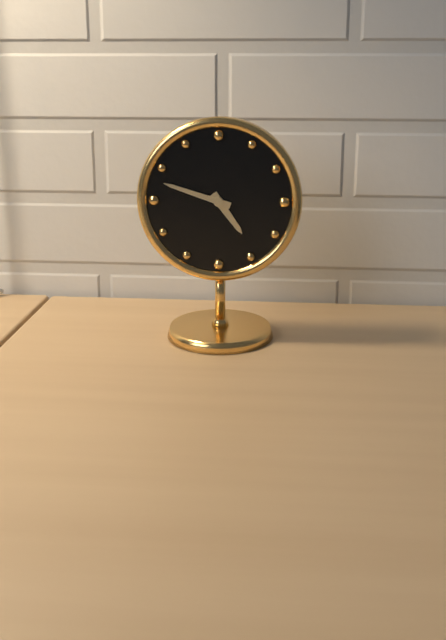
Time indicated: 4:48
